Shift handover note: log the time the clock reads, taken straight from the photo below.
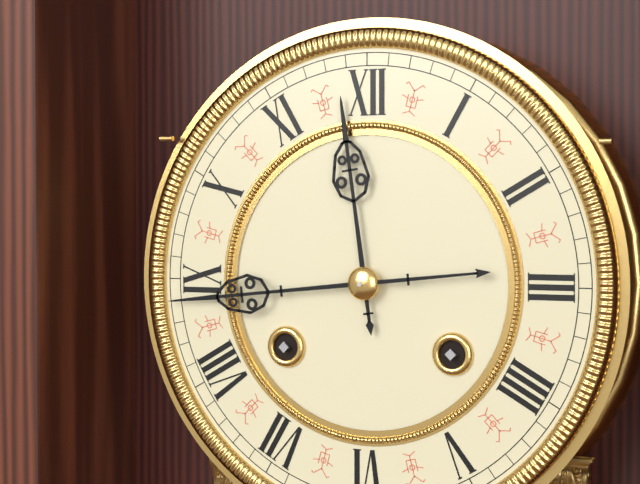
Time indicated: 11:44
